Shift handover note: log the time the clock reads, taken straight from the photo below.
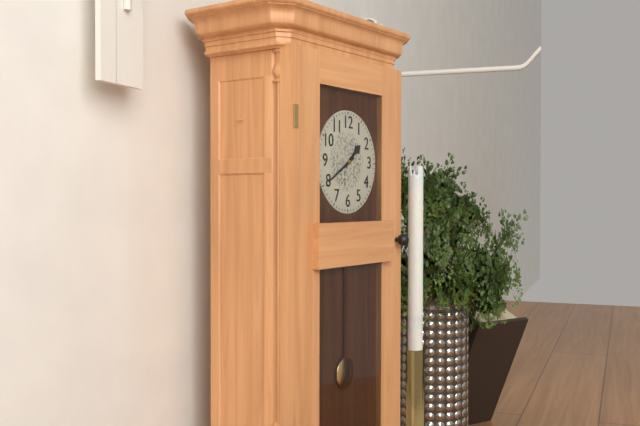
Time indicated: 1:40
